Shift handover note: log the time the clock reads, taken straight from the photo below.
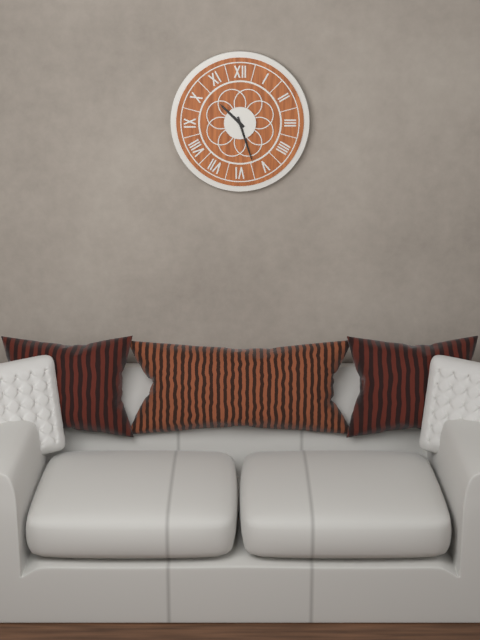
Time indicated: 10:27
